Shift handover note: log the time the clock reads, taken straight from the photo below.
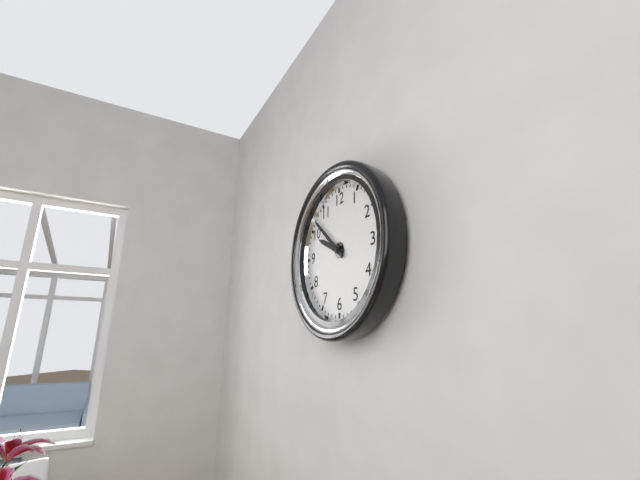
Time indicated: 9:52
